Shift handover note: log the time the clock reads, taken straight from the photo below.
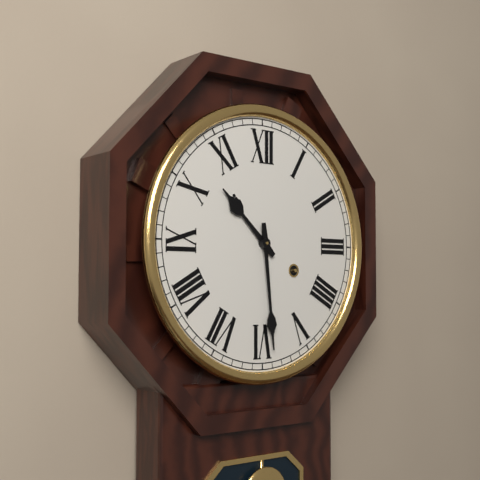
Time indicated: 10:29
